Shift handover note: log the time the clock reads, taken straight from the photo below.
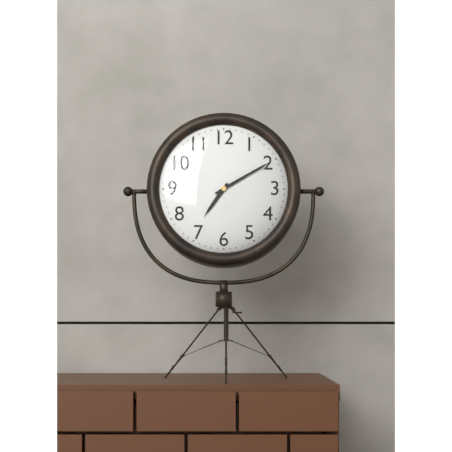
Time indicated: 7:10
